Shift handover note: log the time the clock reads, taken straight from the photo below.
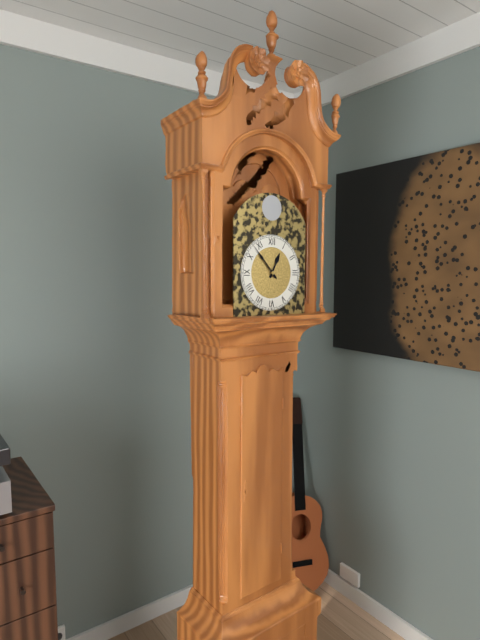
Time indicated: 12:53
